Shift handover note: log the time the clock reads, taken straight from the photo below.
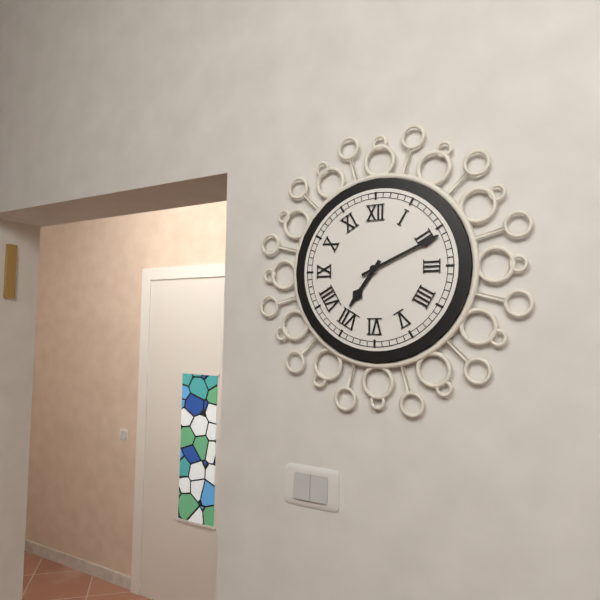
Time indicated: 7:11
